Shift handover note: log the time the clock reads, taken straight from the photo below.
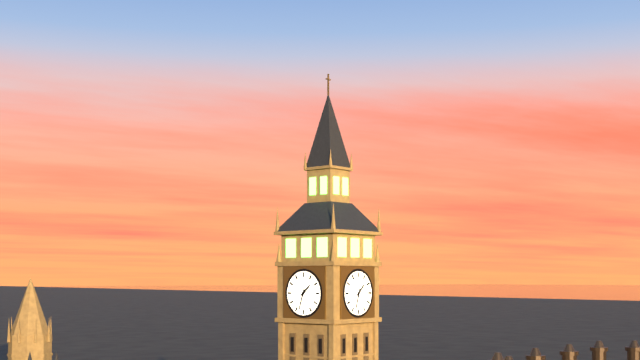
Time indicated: 1:33
